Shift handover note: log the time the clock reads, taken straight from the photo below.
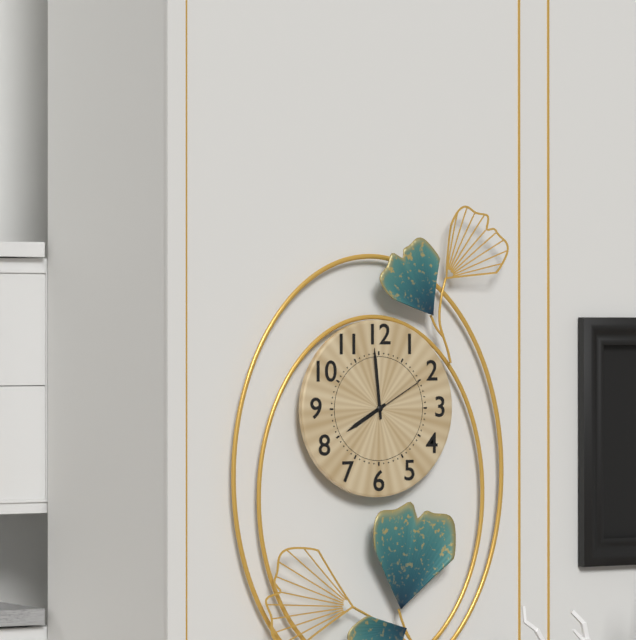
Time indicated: 7:59:10
